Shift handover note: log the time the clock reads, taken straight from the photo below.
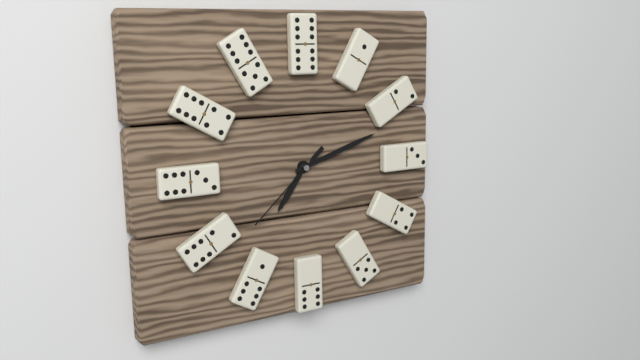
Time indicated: 7:12:38
